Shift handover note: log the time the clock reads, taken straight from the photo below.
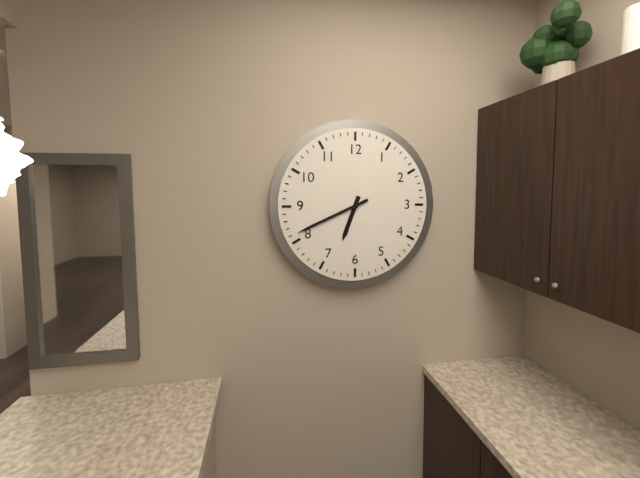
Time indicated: 6:41
